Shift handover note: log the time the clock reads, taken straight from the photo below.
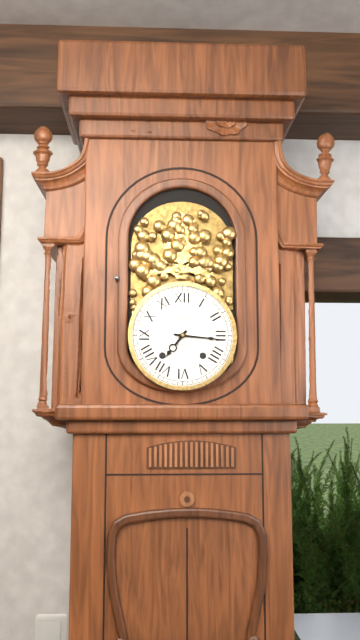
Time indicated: 7:16
